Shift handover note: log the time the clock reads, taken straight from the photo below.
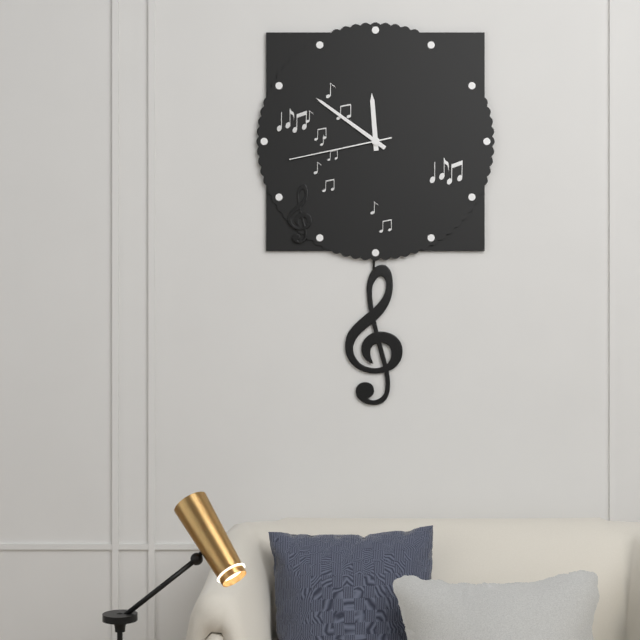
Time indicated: 11:51:43
